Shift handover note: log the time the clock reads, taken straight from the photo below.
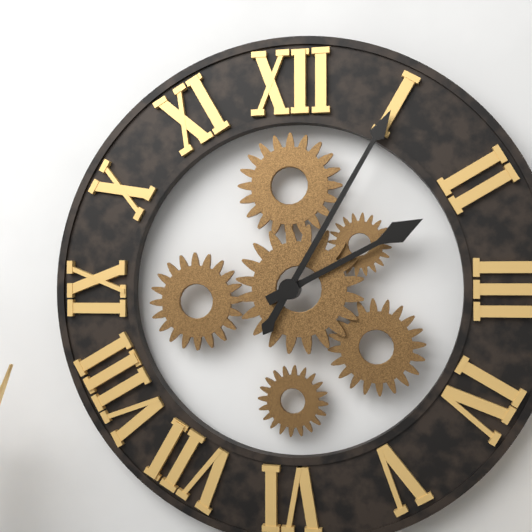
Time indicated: 2:05
